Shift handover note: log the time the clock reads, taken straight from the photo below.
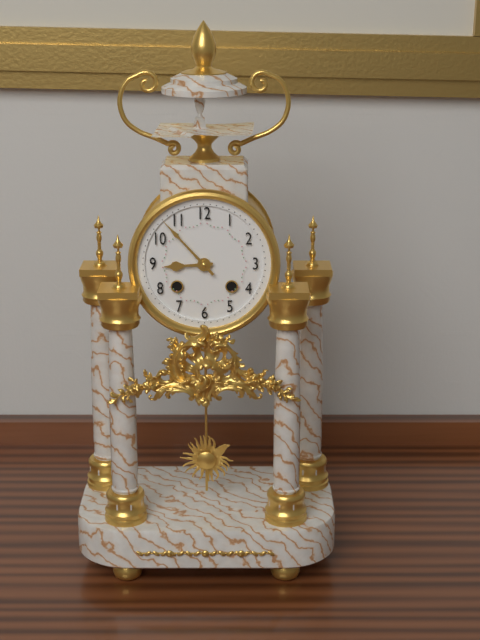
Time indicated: 8:53
